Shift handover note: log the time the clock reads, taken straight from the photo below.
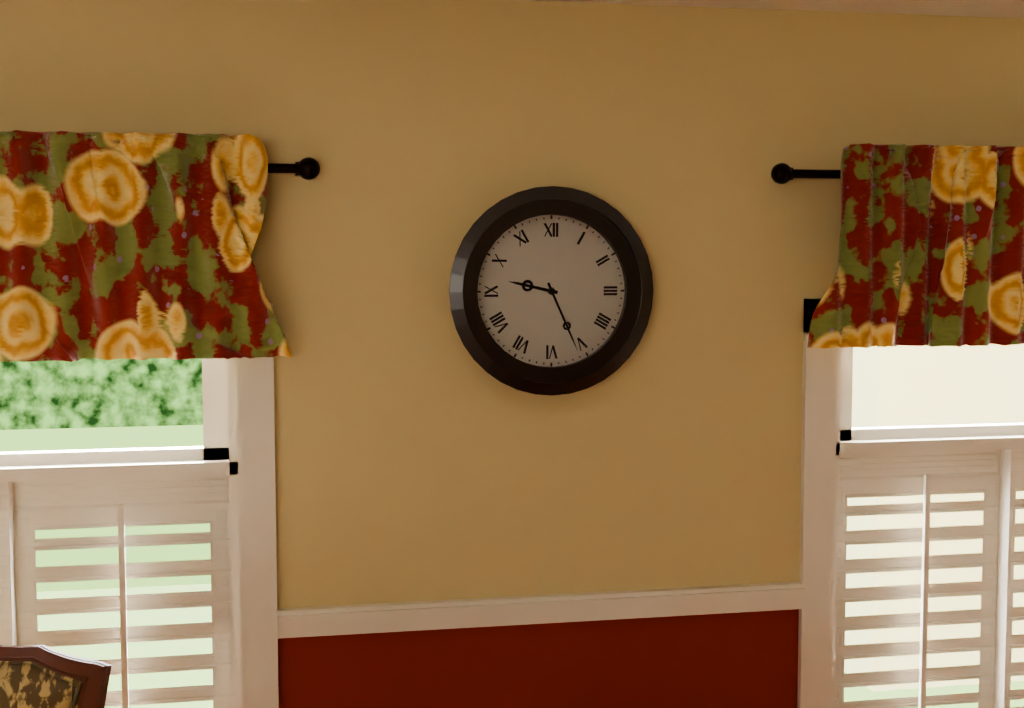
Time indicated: 9:26
